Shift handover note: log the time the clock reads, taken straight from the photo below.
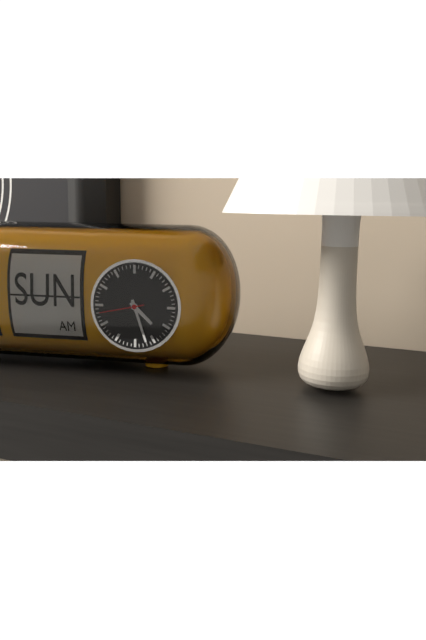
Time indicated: 4:27:43
